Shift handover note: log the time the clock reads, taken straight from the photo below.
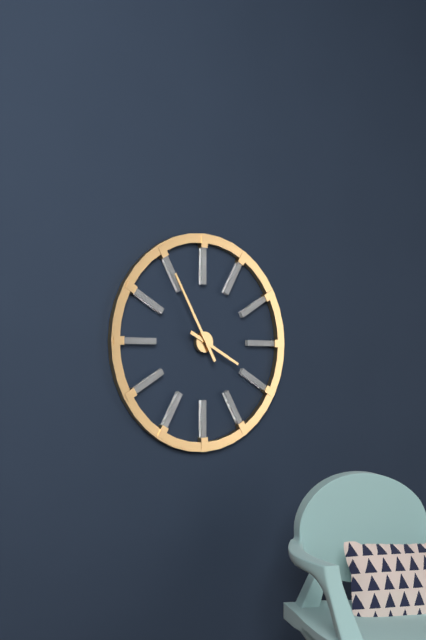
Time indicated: 3:55
